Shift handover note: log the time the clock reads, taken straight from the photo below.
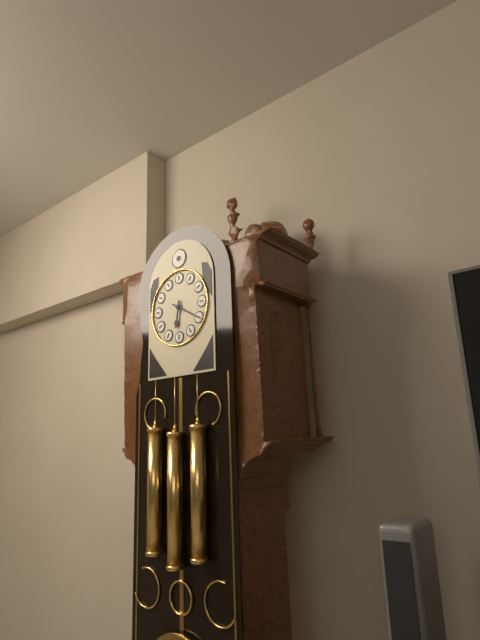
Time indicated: 6:20
